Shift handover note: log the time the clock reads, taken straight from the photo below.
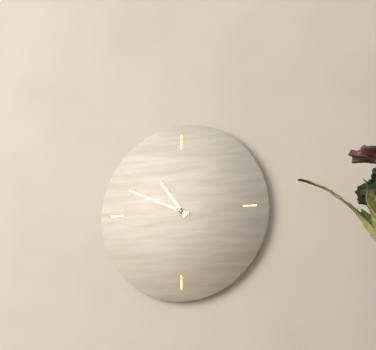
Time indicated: 10:49
